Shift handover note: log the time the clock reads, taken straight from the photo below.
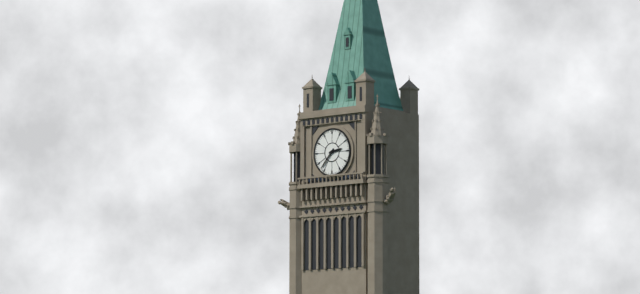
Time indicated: 2:37
